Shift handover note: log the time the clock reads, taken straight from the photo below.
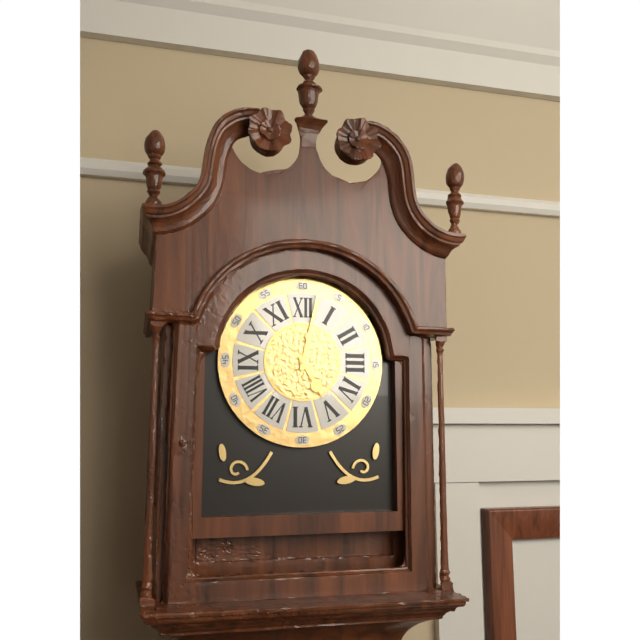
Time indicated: 5:02
